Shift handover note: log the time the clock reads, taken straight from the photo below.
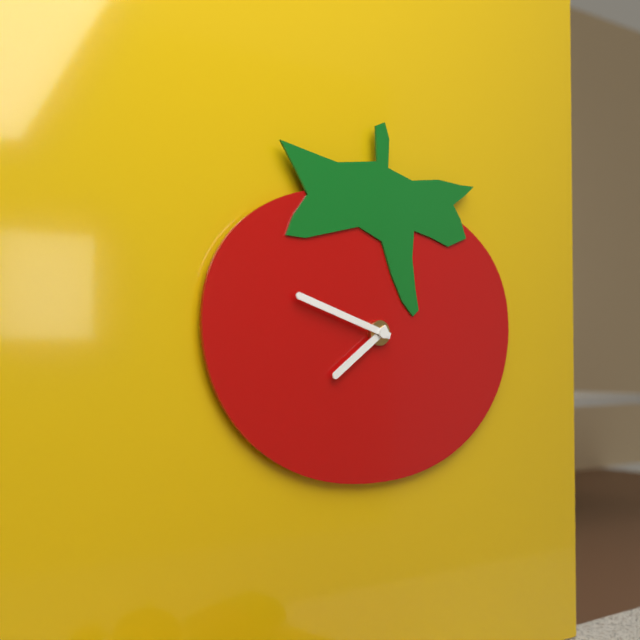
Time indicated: 7:48
